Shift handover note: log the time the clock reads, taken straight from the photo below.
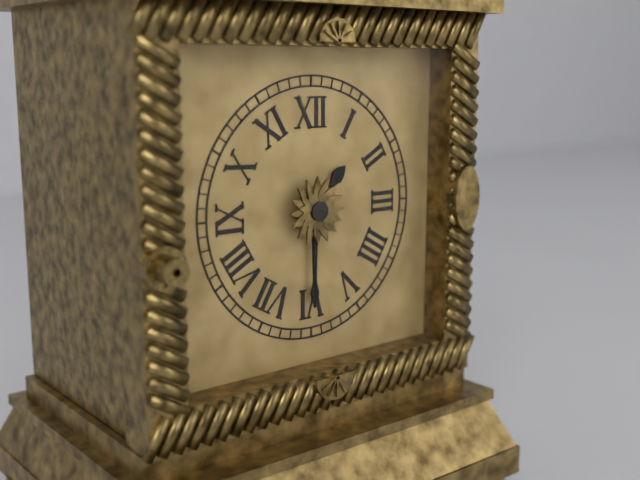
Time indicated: 1:30
